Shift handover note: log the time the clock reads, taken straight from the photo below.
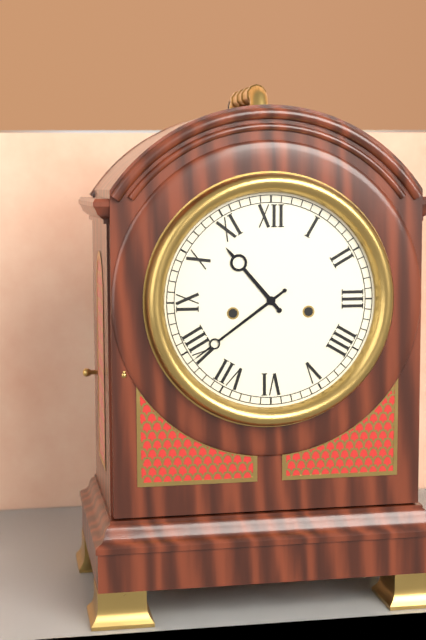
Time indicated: 10:39
